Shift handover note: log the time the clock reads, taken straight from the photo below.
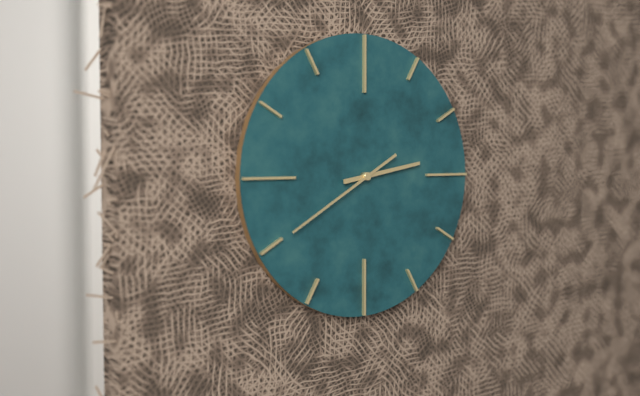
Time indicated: 2:40
